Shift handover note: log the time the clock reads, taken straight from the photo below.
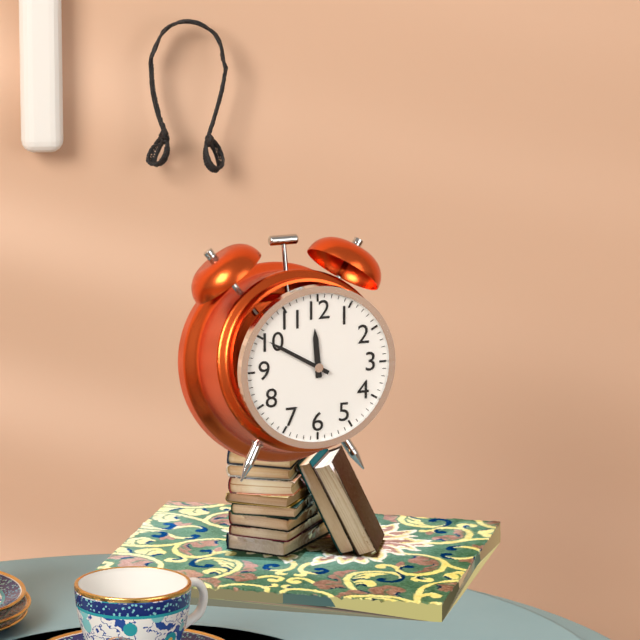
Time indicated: 11:50
